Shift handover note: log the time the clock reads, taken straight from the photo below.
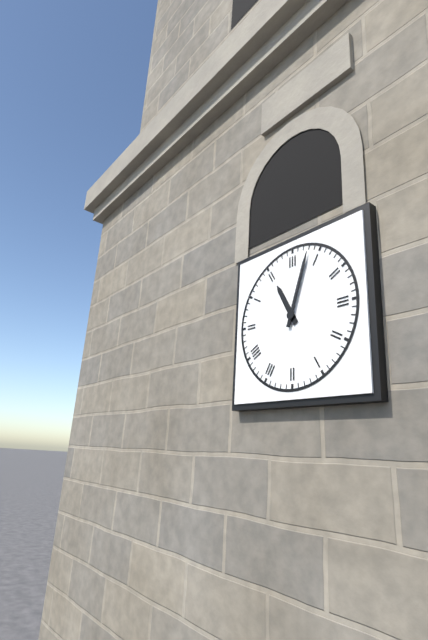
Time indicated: 11:03
